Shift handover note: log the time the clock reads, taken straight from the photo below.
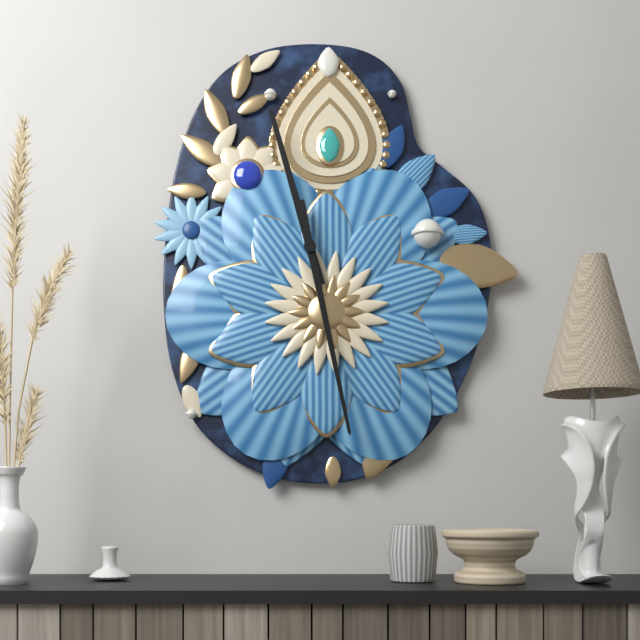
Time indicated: 11:28
